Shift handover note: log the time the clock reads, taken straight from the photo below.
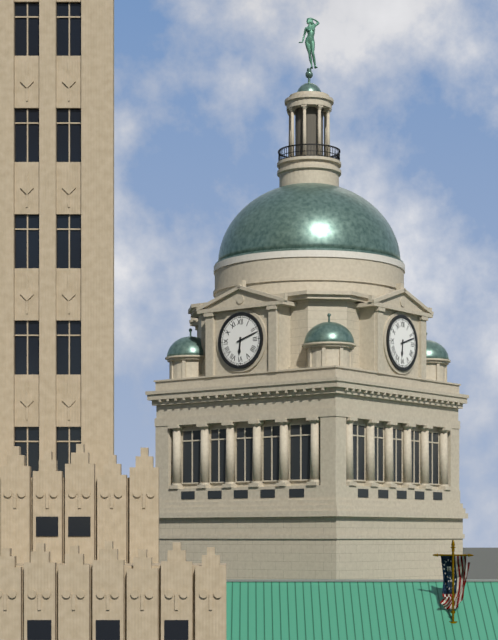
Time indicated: 6:12
